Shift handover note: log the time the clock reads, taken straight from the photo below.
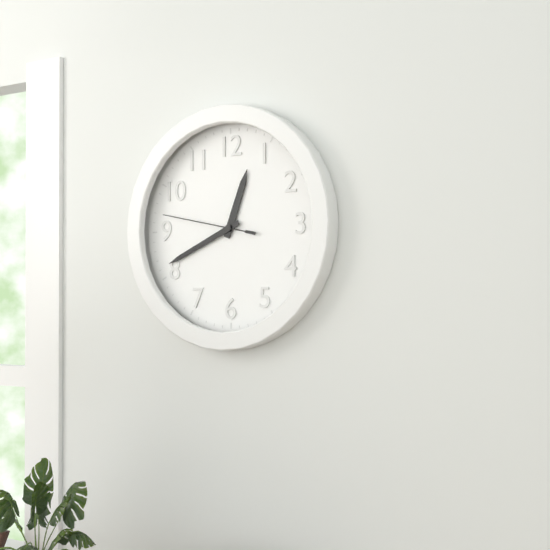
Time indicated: 12:41:47
